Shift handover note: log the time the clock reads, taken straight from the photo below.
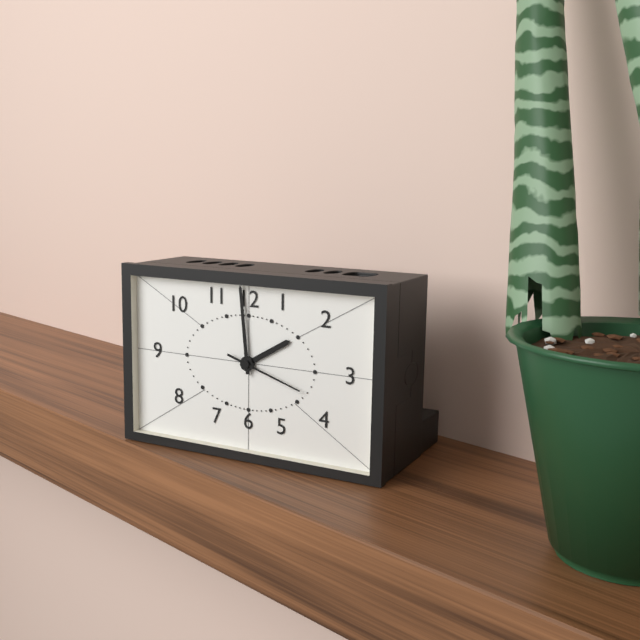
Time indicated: 1:59:18
